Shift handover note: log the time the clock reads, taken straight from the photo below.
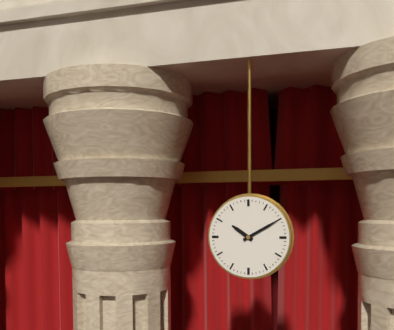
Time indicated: 10:10
